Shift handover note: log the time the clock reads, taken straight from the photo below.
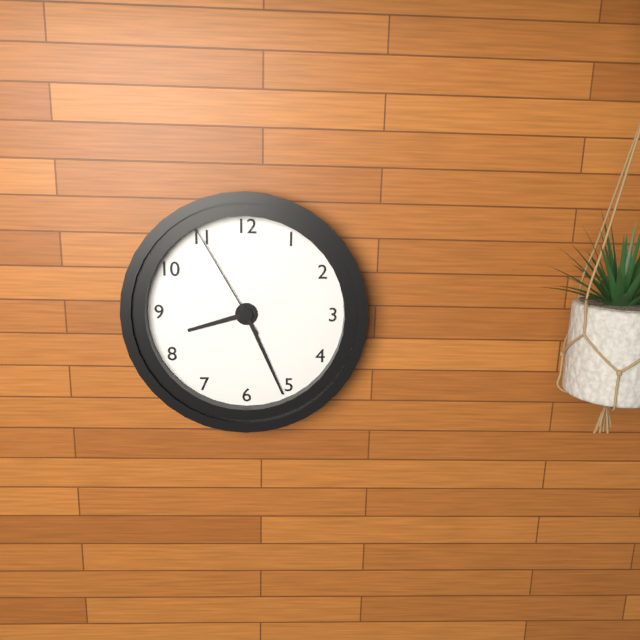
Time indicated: 8:26:55
